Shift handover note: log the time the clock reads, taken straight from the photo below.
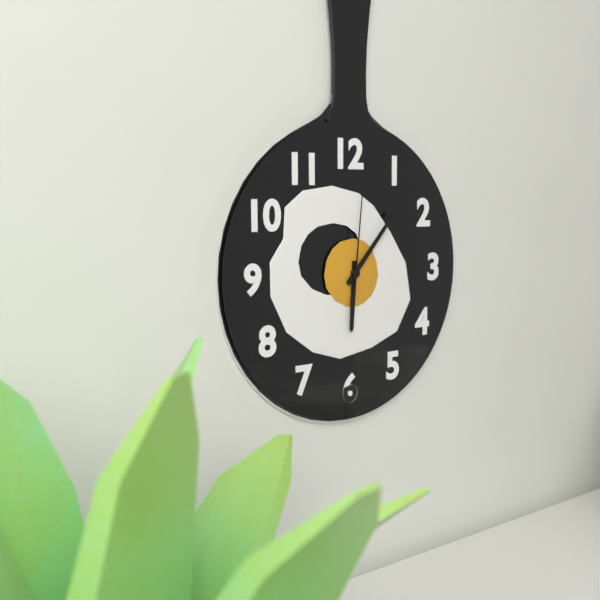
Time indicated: 6:07:01
